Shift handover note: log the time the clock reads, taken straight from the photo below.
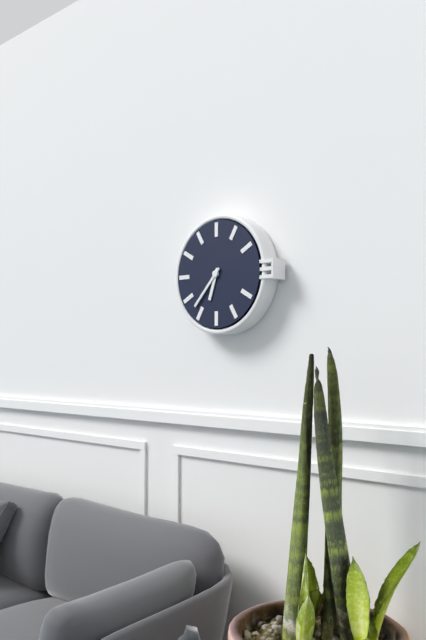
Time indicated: 6:37
